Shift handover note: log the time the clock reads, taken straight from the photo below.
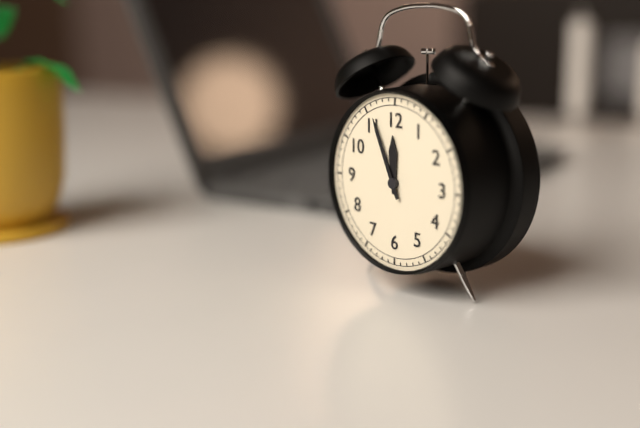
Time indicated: 11:56
